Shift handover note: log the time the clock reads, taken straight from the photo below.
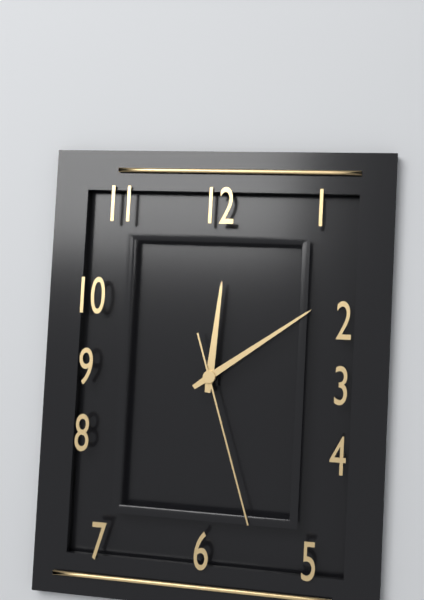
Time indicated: 12:09:27
